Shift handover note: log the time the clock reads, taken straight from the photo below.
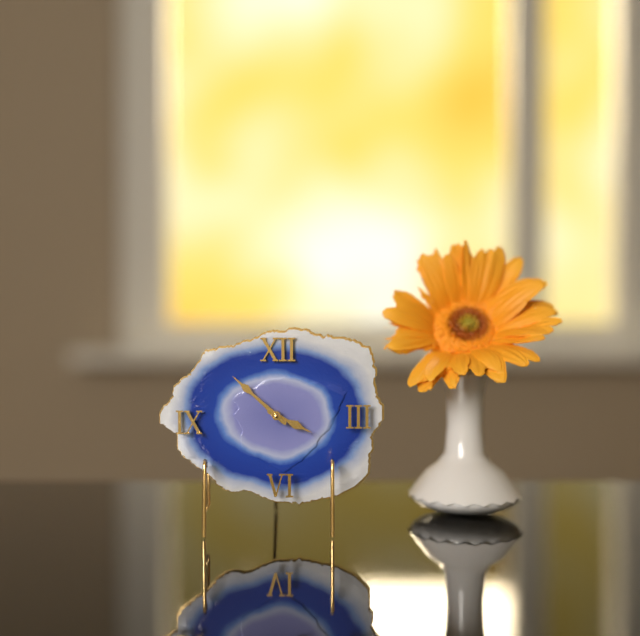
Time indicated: 3:52
